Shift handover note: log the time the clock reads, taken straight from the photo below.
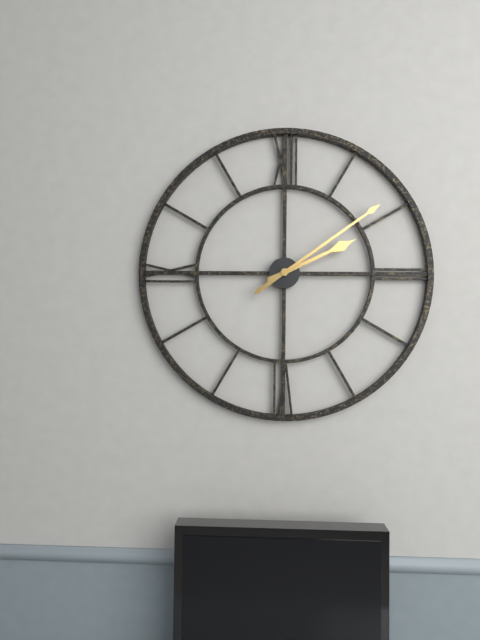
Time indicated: 2:09
